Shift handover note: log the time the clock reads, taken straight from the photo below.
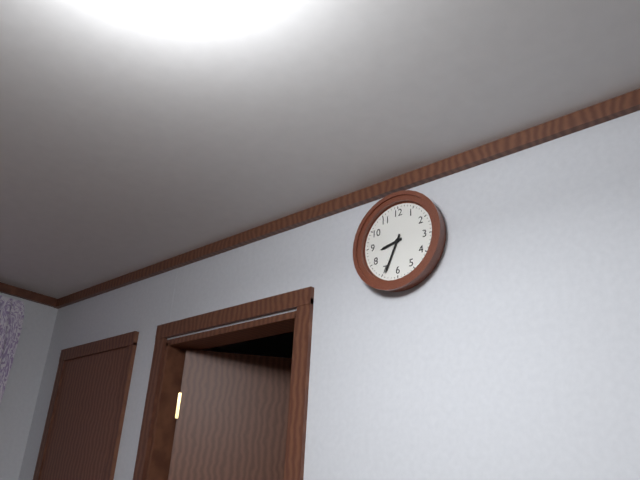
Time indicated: 8:34
